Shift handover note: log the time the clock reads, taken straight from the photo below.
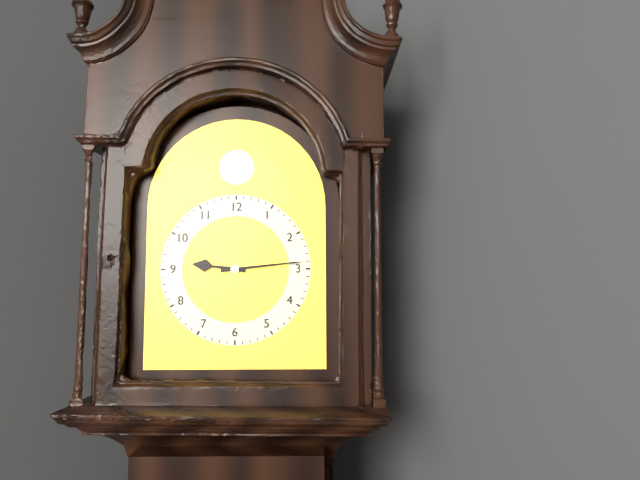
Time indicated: 9:14
